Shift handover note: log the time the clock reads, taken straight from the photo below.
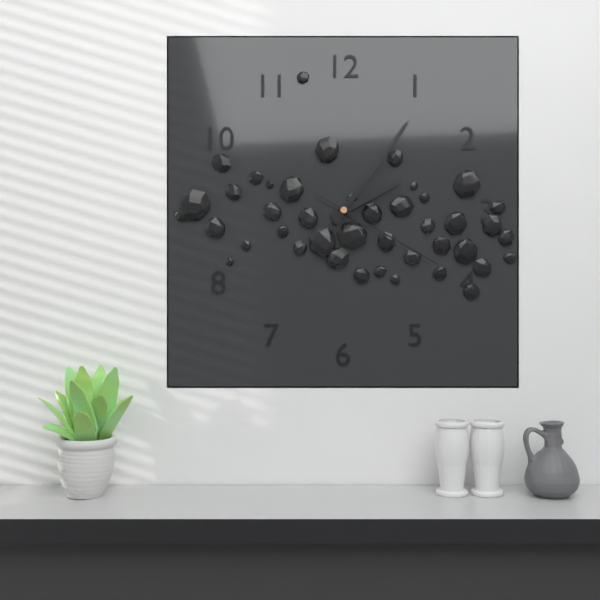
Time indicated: 2:06:20
